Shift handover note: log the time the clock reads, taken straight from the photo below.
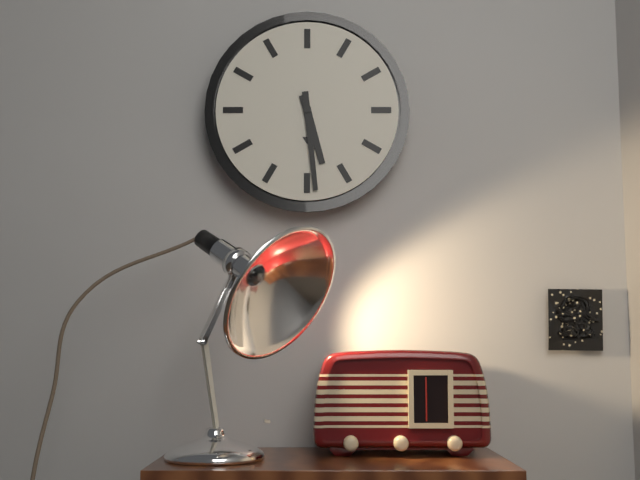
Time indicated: 5:29
